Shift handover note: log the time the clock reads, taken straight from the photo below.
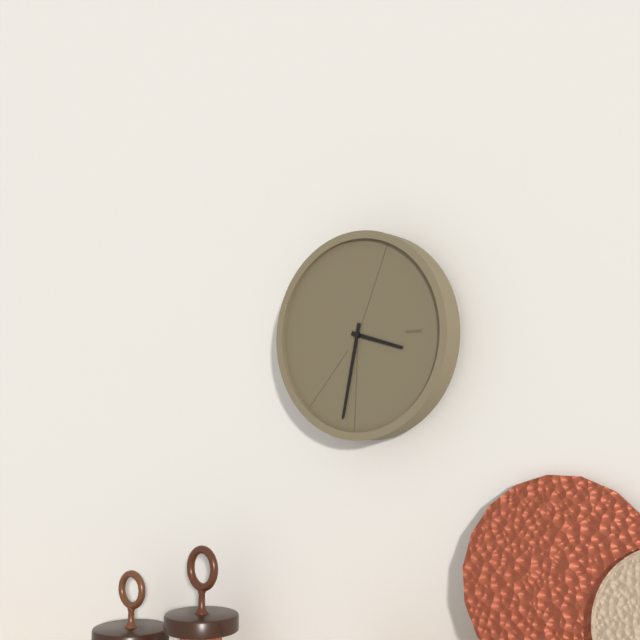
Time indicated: 3:32
